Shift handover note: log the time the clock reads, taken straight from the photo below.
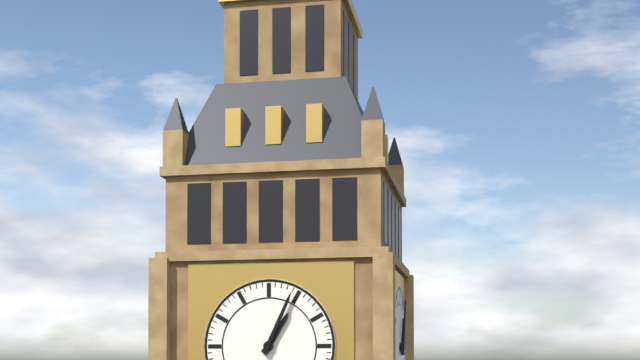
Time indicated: 1:04
